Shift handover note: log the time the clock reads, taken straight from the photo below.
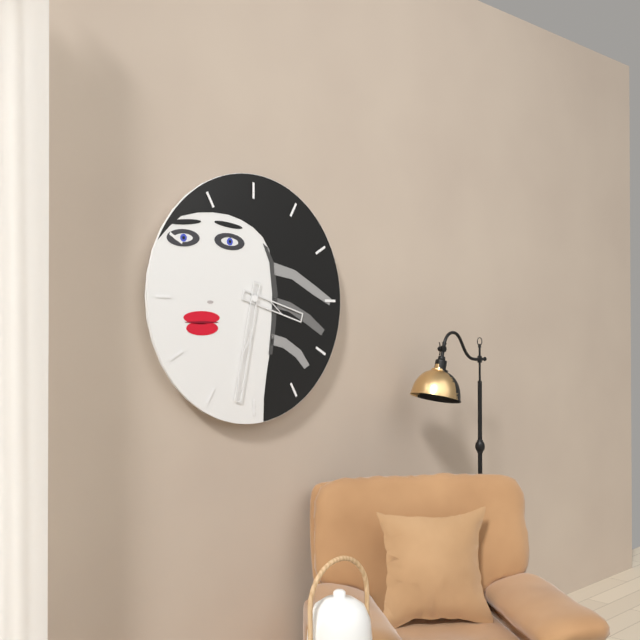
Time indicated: 3:32
